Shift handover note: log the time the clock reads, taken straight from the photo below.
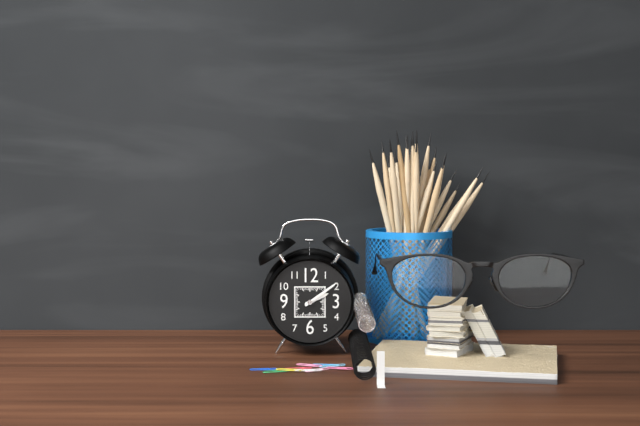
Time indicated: 2:09
